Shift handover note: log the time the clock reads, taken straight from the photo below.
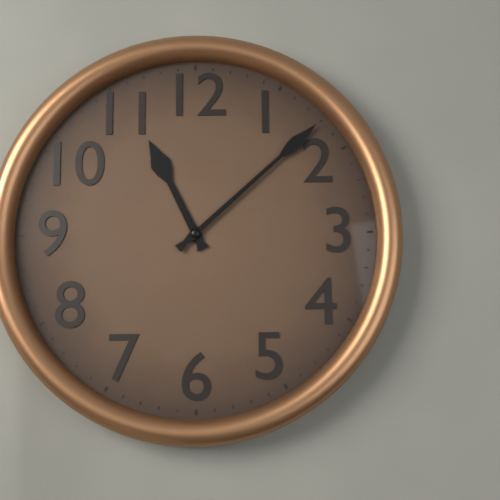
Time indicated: 11:08
